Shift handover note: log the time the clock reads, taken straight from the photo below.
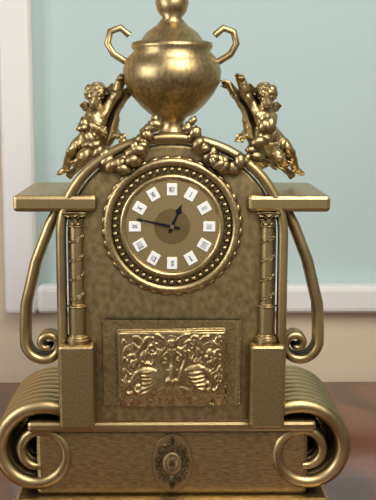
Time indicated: 12:47
